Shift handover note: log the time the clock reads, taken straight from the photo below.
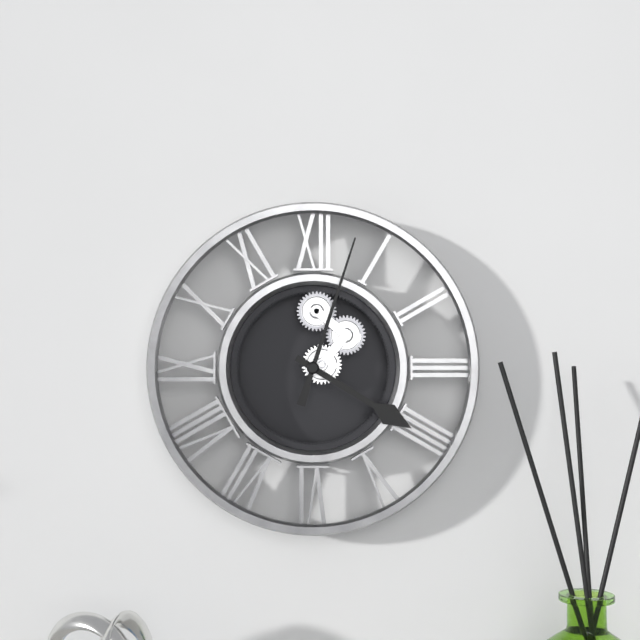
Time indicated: 4:03
